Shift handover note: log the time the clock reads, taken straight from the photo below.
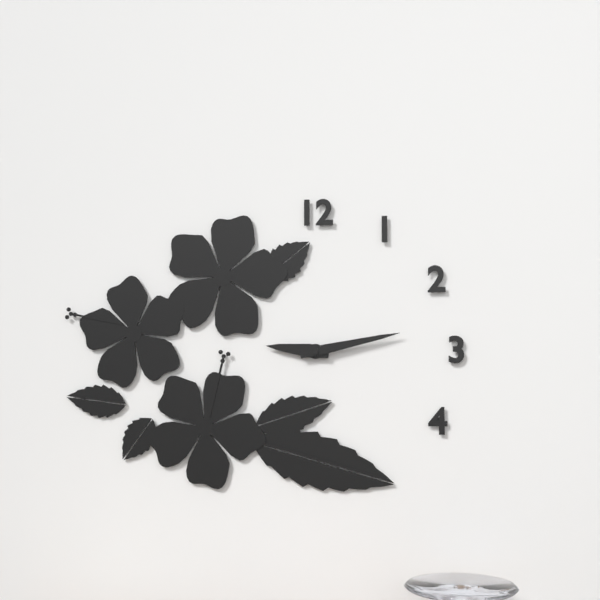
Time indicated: 9:13
